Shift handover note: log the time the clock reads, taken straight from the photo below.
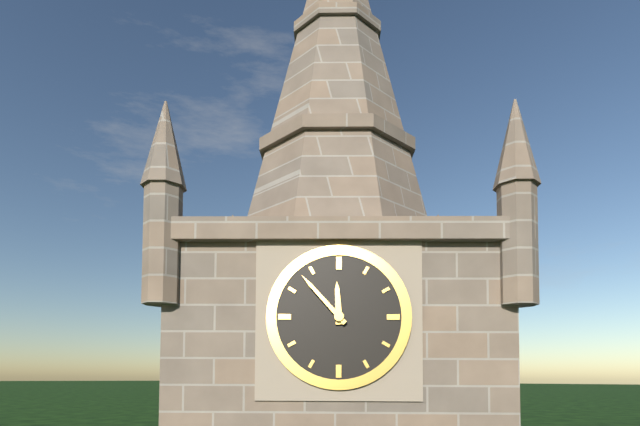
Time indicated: 11:53
